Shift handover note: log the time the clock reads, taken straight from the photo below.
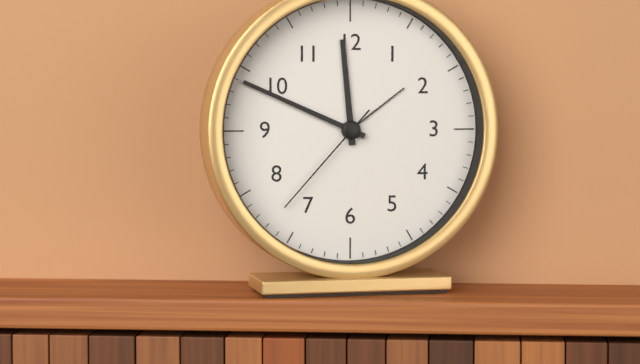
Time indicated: 11:49:37
